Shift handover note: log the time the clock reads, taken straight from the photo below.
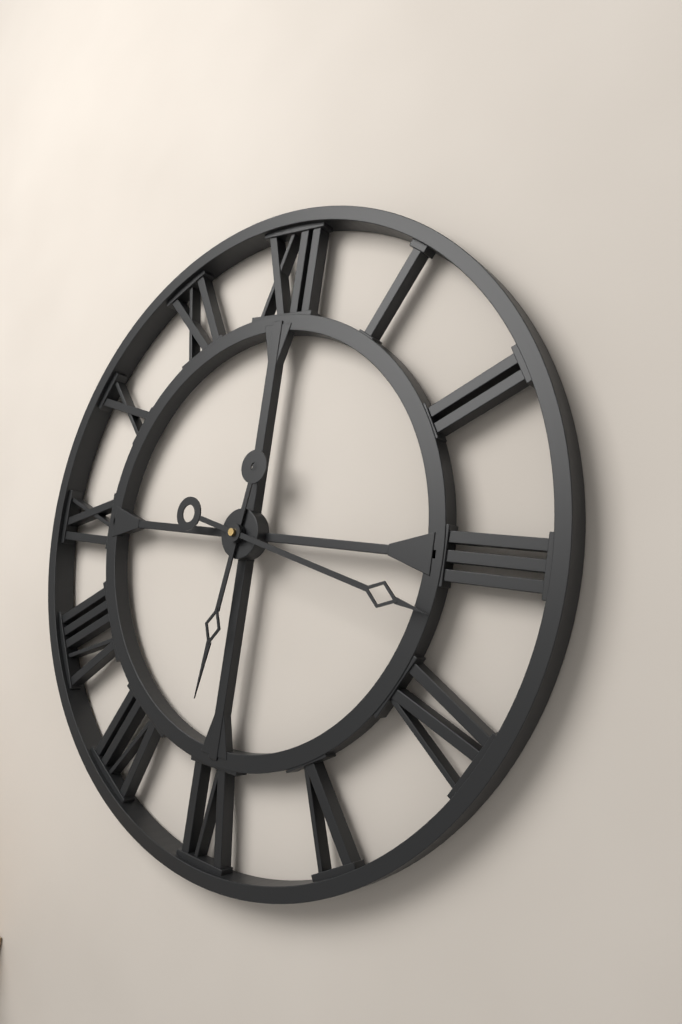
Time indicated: 6:17
